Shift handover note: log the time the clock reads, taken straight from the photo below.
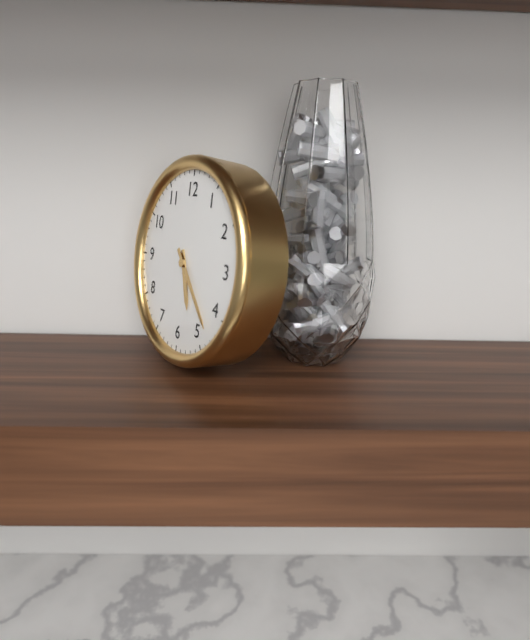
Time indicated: 5:23
